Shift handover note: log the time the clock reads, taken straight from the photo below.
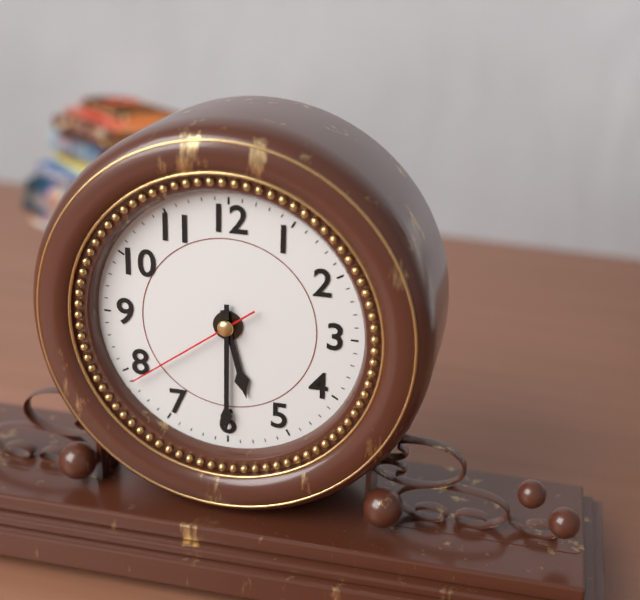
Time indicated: 5:30:39
